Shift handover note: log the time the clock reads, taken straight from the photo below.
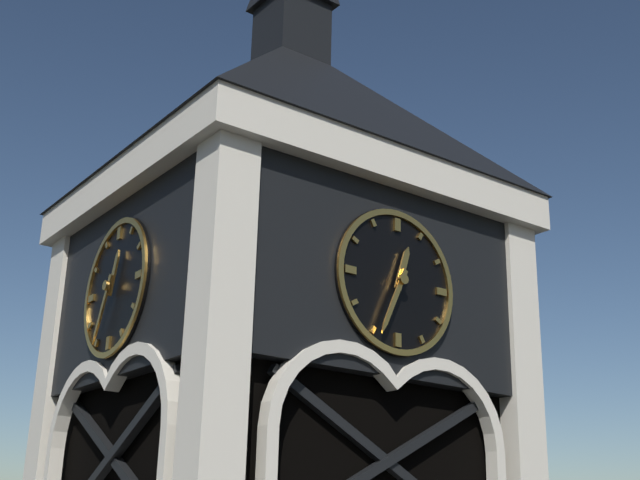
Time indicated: 12:34
